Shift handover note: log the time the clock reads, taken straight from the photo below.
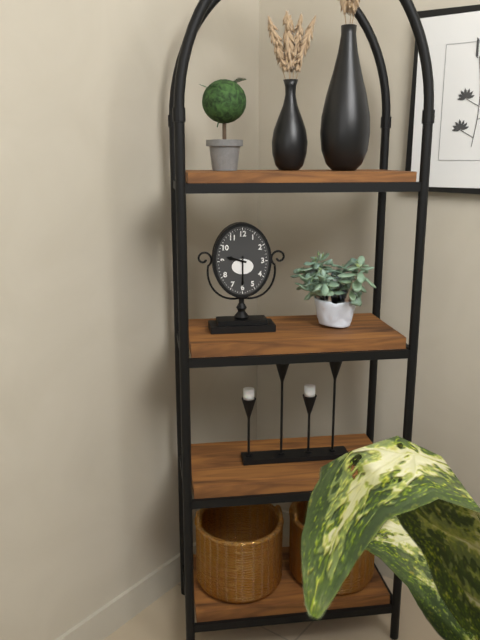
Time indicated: 9:30
